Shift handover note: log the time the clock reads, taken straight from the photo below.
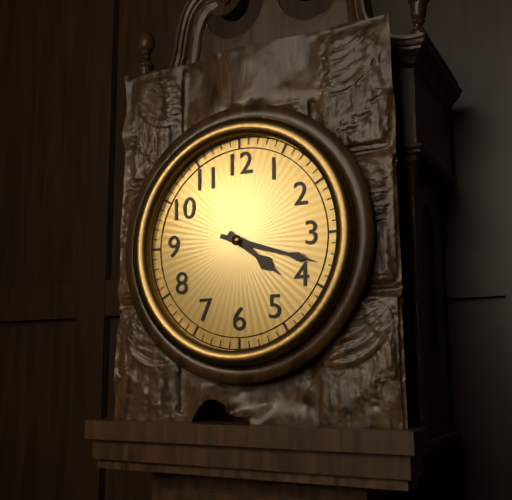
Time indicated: 4:18
